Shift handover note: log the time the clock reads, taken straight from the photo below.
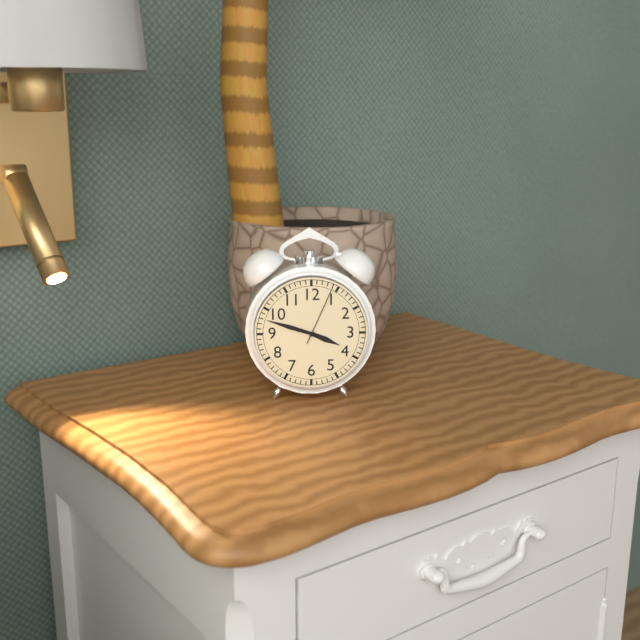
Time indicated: 3:48:04
